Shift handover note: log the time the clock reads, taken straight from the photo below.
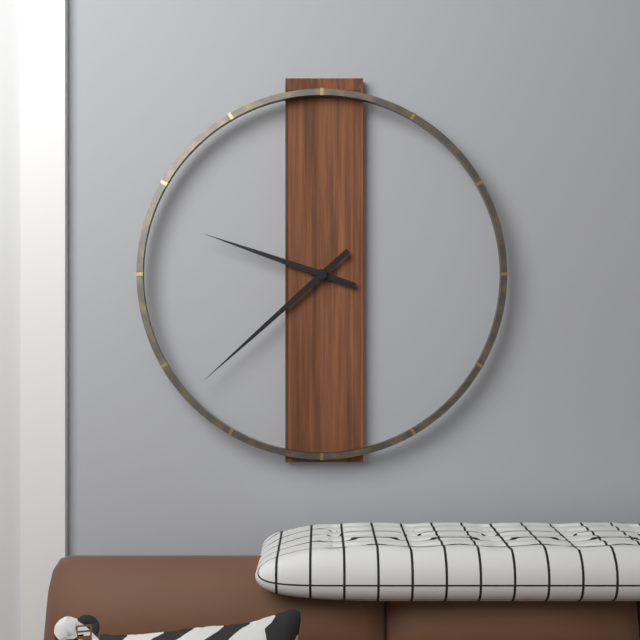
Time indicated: 9:38
